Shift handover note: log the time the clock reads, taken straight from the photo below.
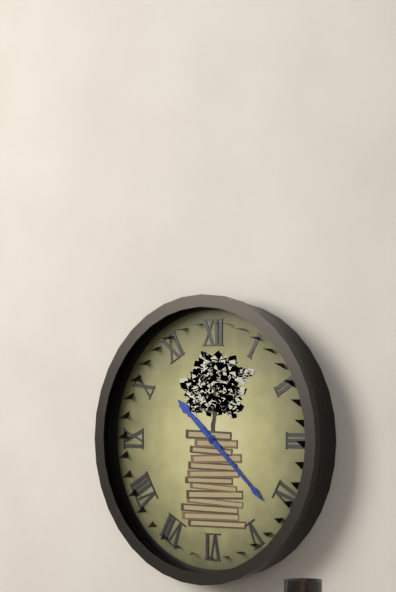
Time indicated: 10:22
